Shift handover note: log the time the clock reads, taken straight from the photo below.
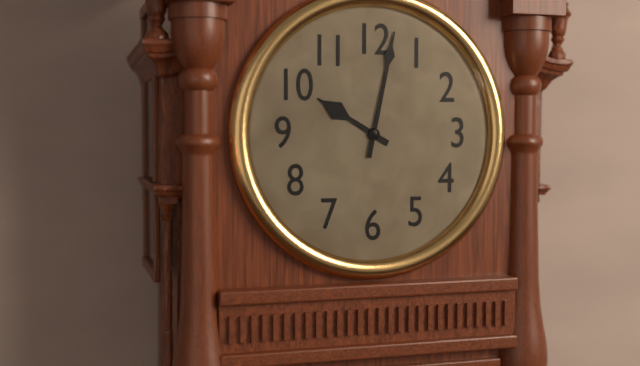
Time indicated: 10:02
